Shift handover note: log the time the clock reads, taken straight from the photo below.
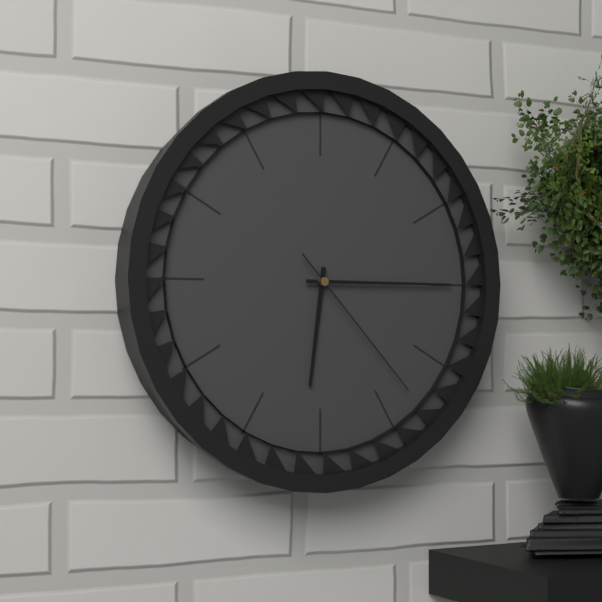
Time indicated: 6:15:23
